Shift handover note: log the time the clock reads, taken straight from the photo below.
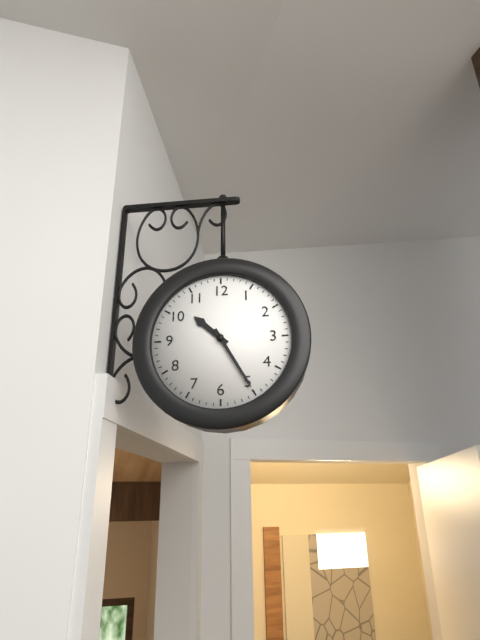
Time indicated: 10:25
